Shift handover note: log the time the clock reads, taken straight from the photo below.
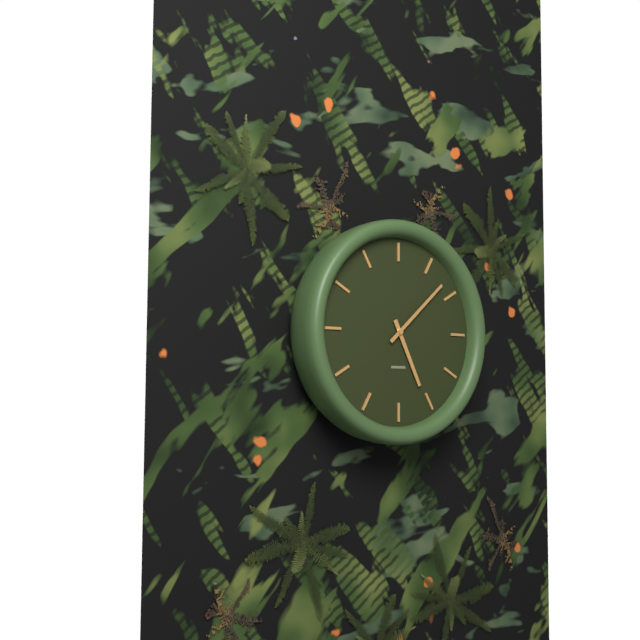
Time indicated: 5:08
